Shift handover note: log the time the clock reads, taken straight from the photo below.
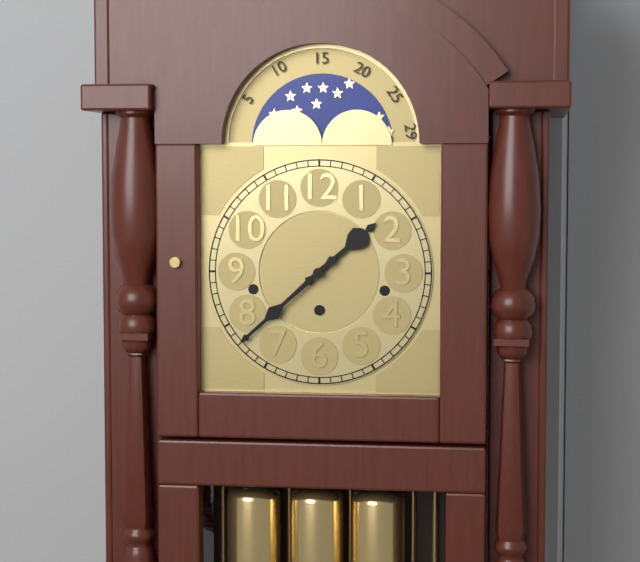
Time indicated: 1:38
